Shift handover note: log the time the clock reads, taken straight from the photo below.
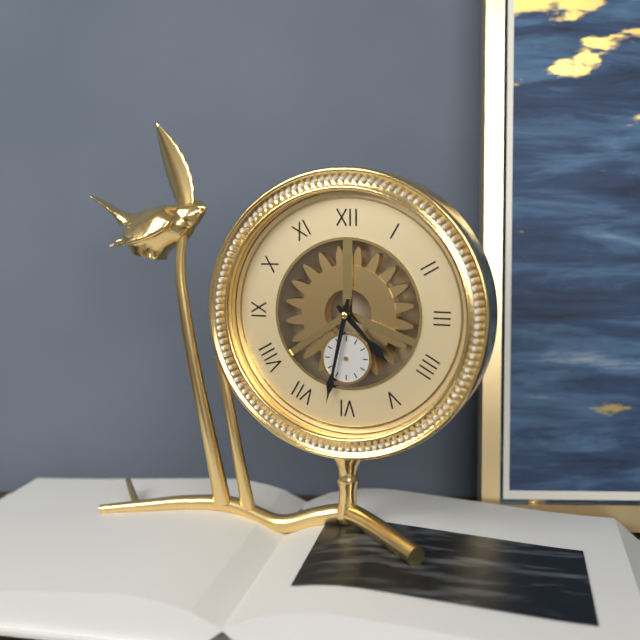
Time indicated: 4:32
